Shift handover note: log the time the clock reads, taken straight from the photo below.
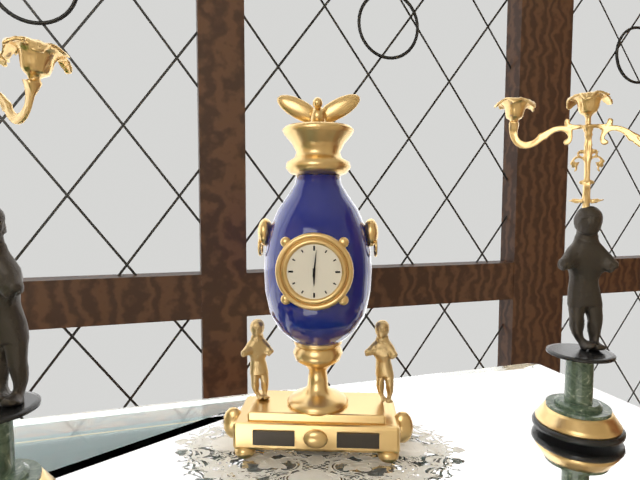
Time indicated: 6:01
